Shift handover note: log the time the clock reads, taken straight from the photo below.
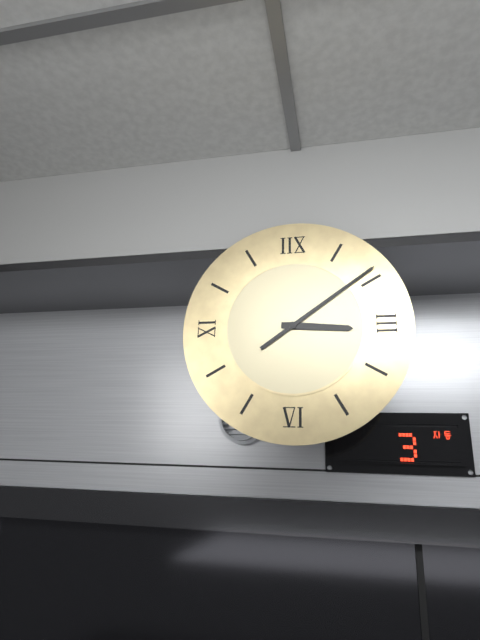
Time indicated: 3:09
